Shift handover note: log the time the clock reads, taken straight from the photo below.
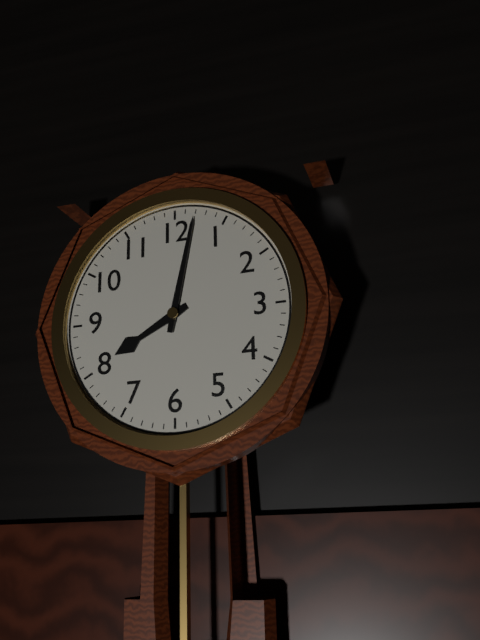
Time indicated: 8:02
